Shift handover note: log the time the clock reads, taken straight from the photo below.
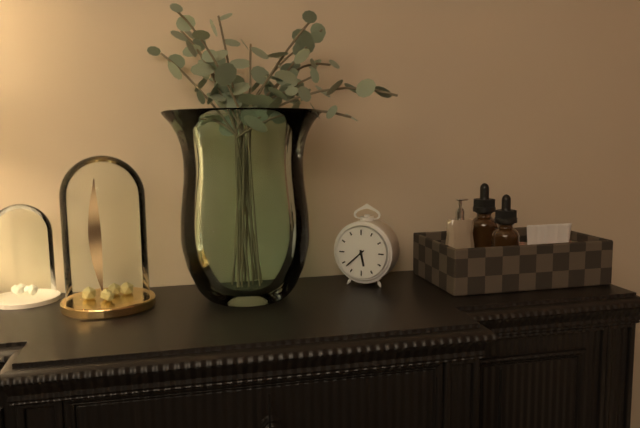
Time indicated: 5:38
